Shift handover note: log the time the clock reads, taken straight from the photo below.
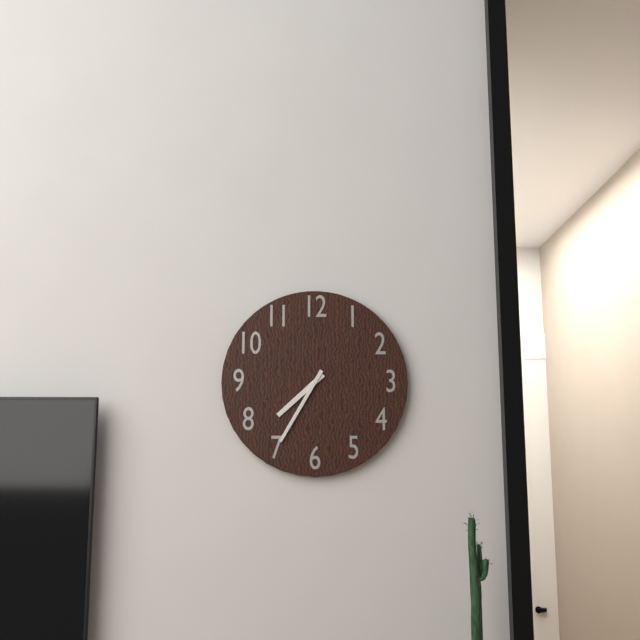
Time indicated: 7:35
